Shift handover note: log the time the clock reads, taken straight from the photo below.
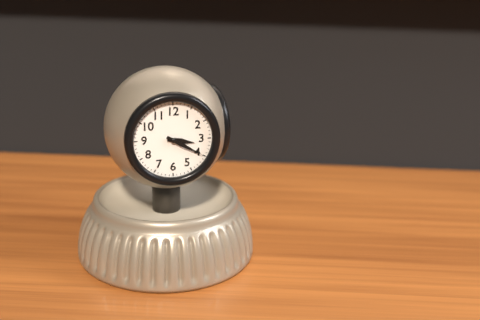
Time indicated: 3:20
